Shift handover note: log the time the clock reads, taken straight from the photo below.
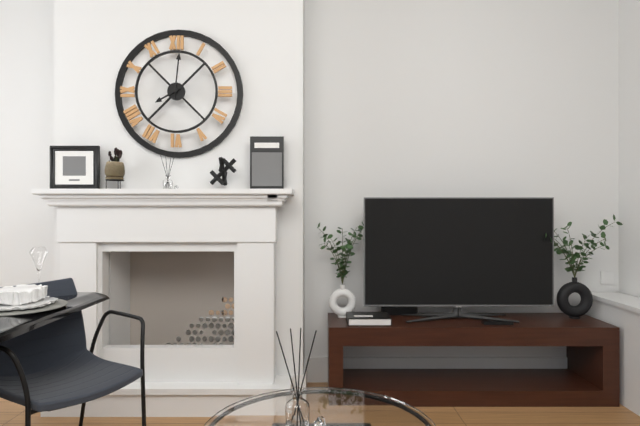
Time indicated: 8:01
